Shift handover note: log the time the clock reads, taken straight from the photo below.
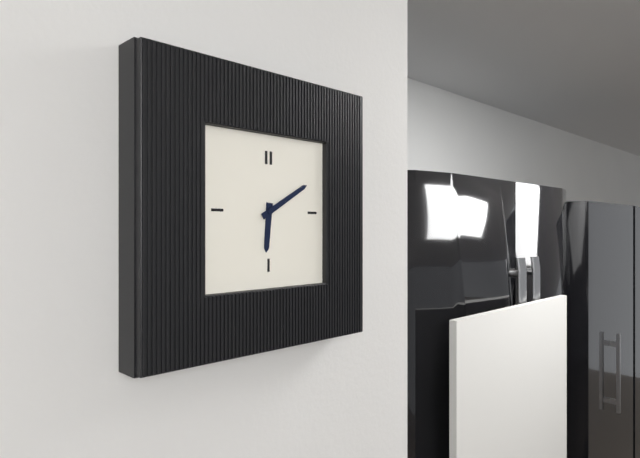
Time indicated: 6:10
